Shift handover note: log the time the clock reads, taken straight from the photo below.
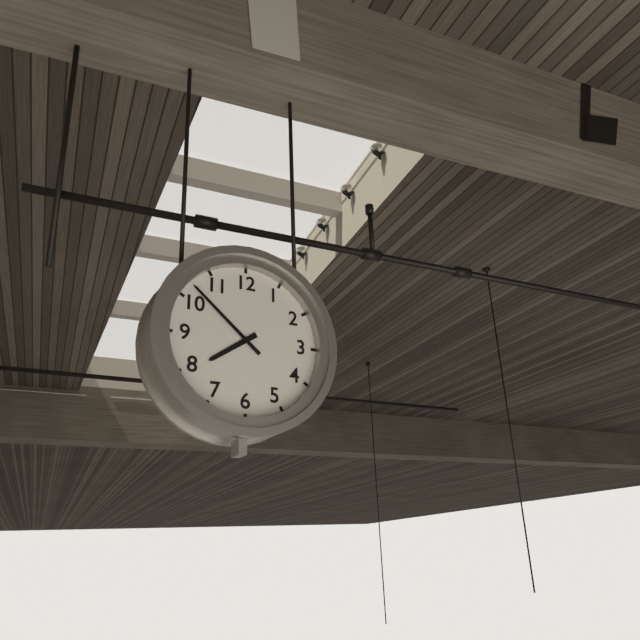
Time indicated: 7:52
